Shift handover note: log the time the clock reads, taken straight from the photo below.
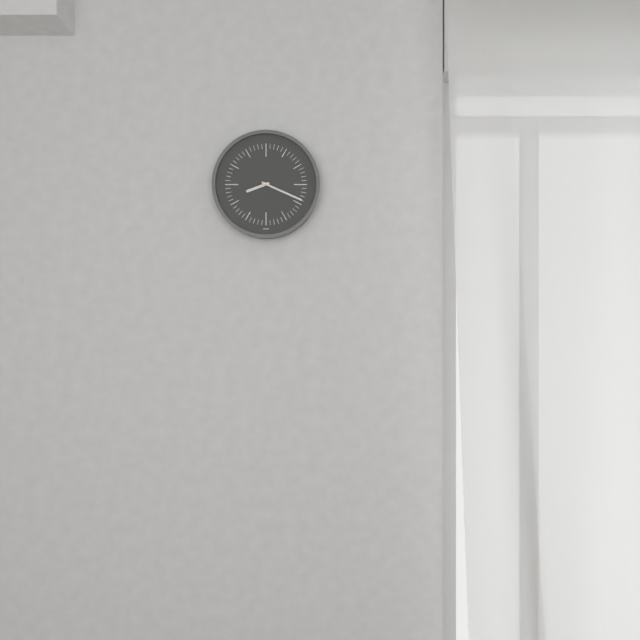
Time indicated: 8:19
